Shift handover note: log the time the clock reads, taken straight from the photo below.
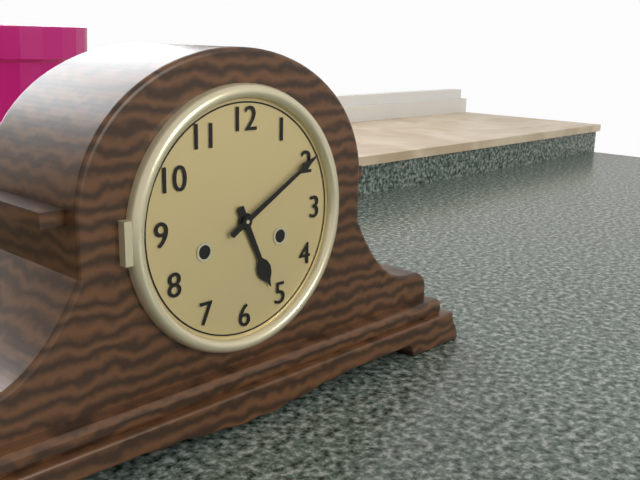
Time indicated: 5:10
